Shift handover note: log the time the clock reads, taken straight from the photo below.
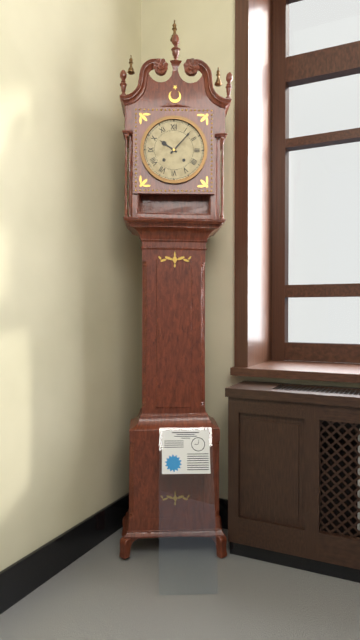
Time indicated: 10:07
